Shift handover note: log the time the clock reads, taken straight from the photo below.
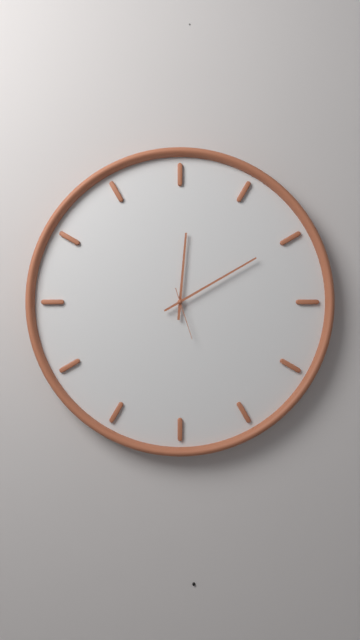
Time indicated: 12:10
